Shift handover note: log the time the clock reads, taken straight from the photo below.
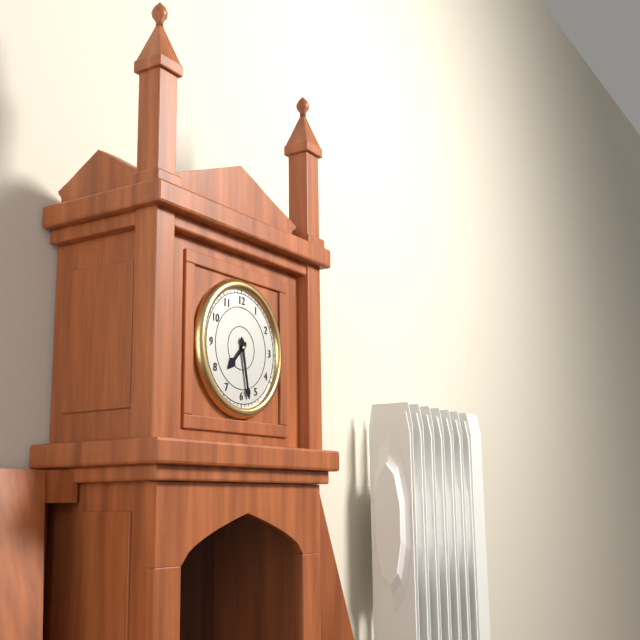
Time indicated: 7:28
